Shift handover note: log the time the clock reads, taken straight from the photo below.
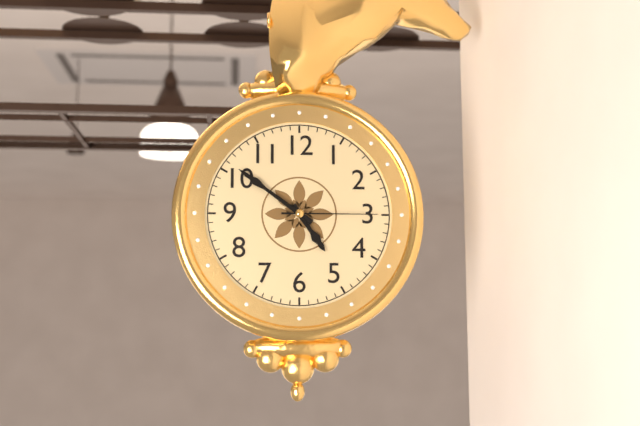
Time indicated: 4:51:15
